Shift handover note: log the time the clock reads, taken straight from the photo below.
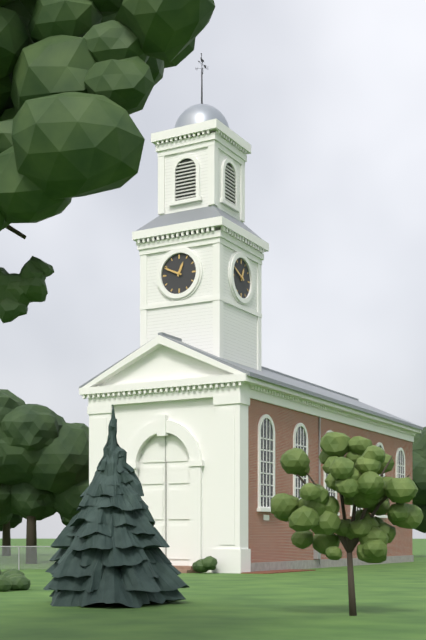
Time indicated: 12:49
